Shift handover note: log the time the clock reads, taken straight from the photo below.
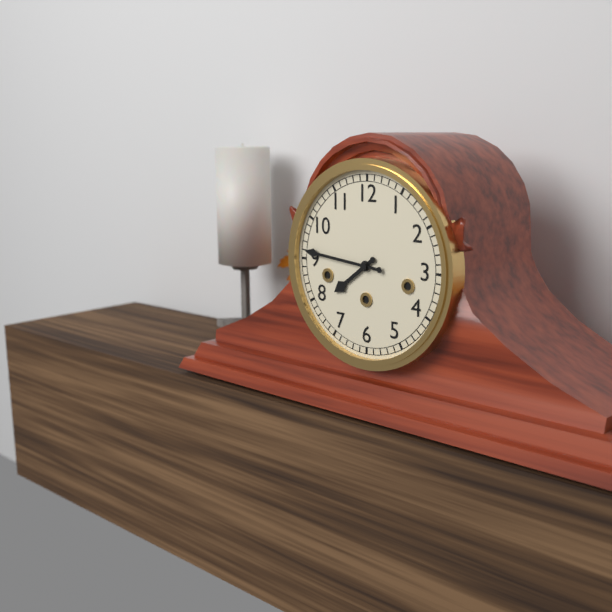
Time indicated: 7:46
